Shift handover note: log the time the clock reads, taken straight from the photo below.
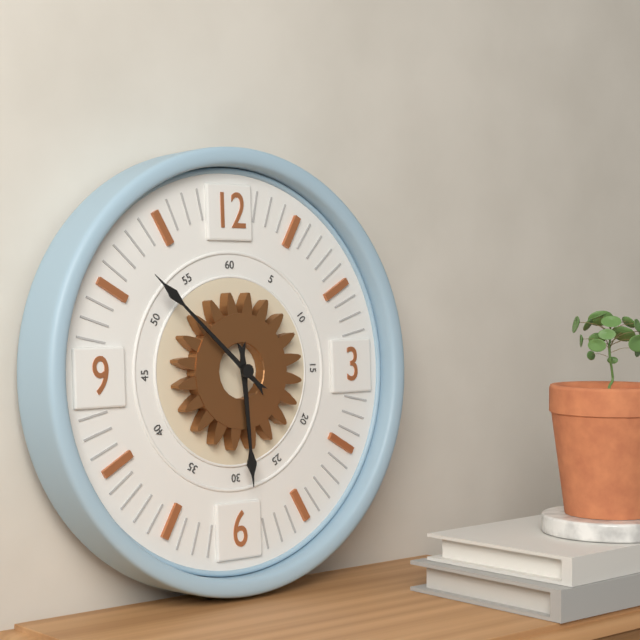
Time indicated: 5:52
